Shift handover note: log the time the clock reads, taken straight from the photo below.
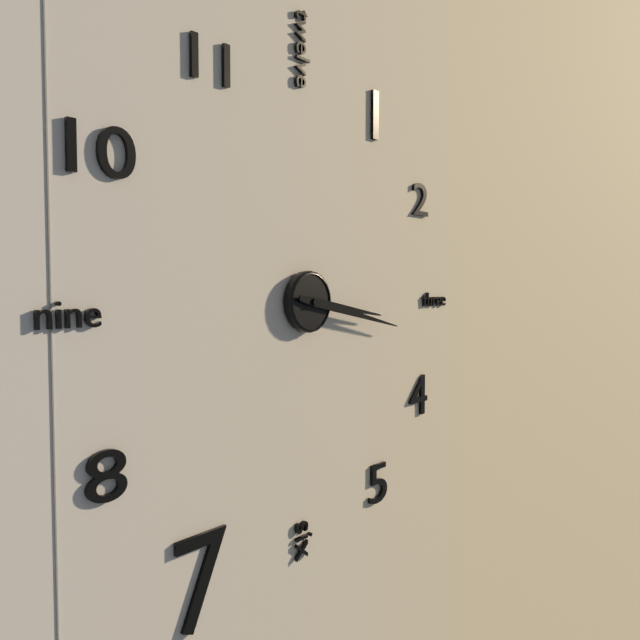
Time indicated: 3:17
